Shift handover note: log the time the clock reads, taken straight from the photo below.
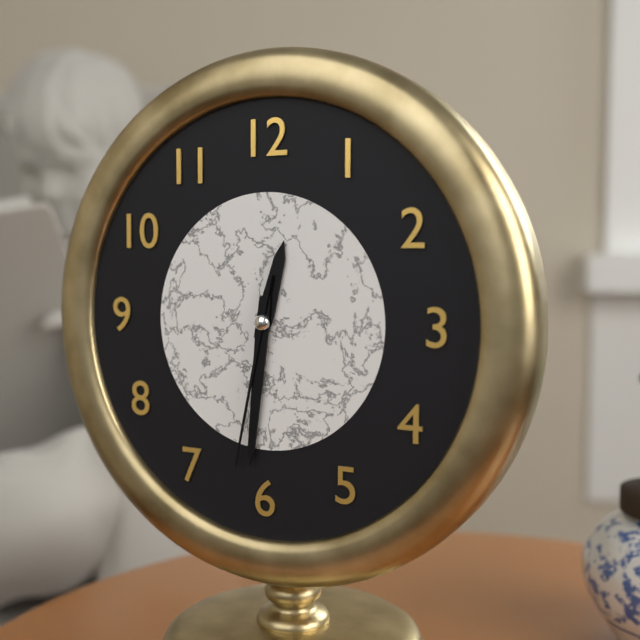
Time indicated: 12:31:32
